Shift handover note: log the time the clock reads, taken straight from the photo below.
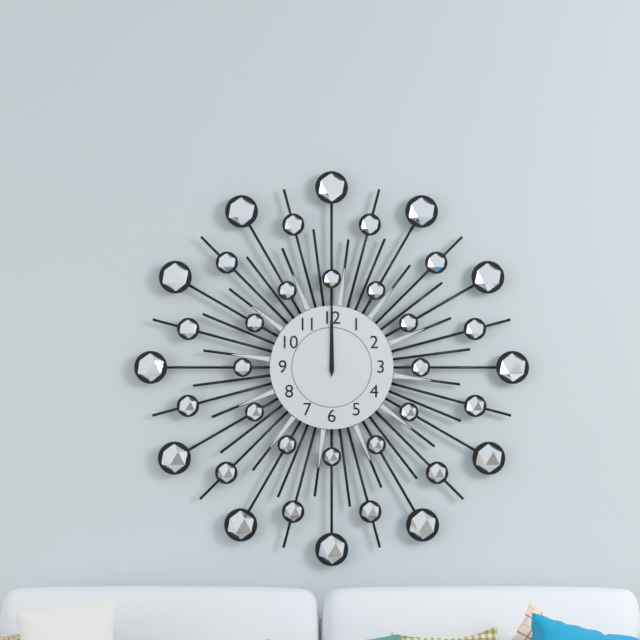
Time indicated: 12:00
